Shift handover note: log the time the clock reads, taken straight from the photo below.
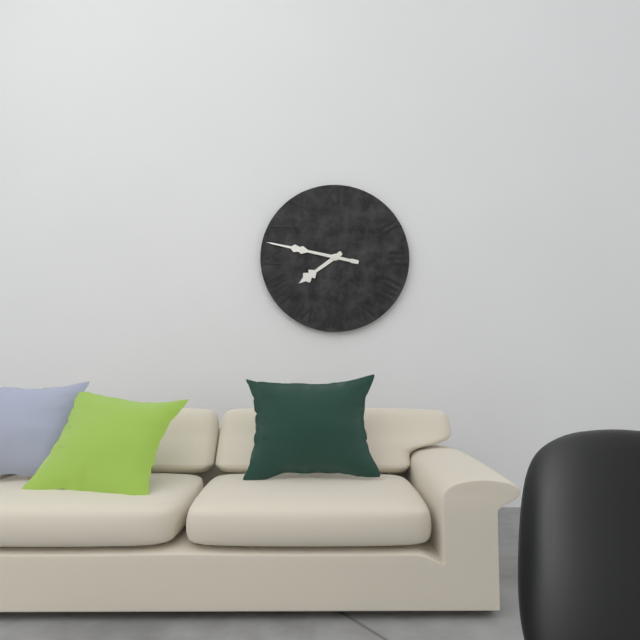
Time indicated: 7:47
